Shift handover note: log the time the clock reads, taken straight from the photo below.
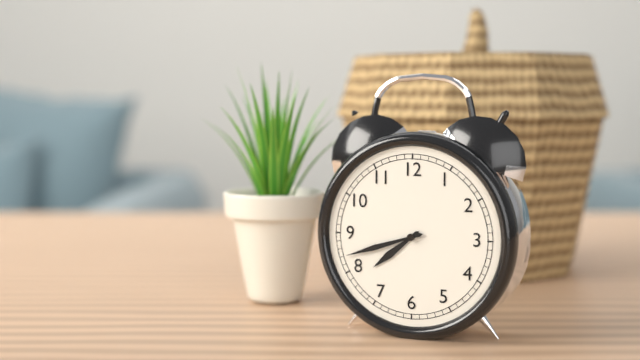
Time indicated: 7:42
